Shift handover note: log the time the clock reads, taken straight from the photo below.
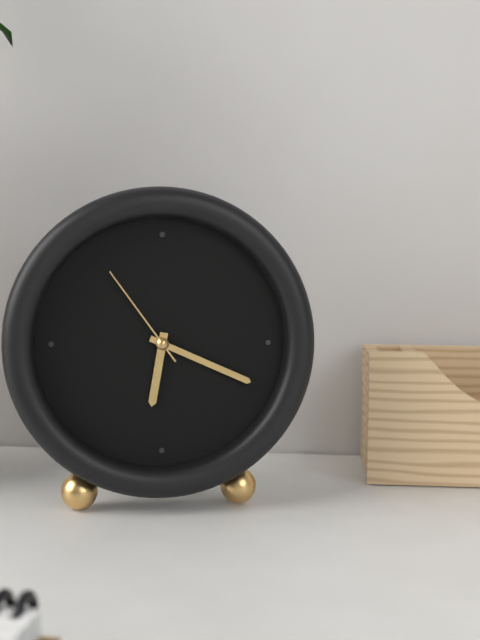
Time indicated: 6:19:54
